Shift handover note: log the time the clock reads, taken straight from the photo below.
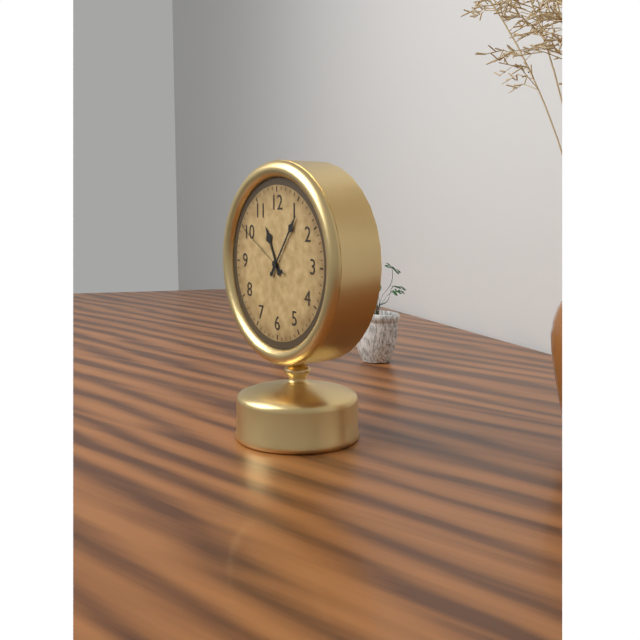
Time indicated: 11:06:50
